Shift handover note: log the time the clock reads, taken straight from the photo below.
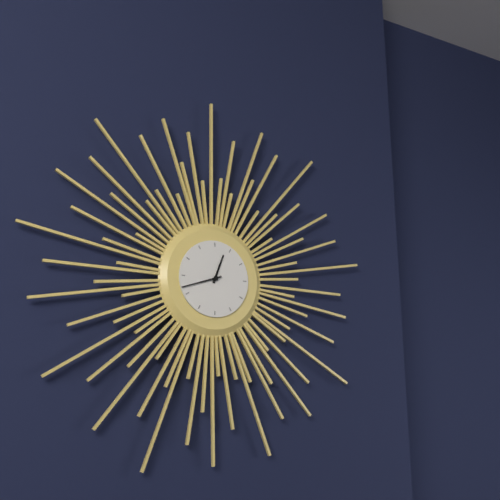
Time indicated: 12:42
